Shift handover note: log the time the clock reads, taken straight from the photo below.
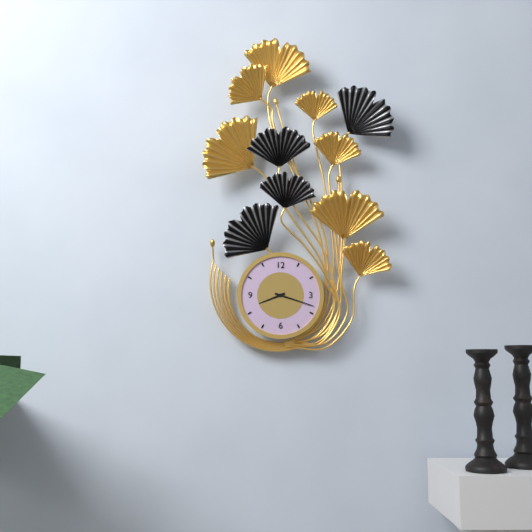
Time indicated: 8:18
